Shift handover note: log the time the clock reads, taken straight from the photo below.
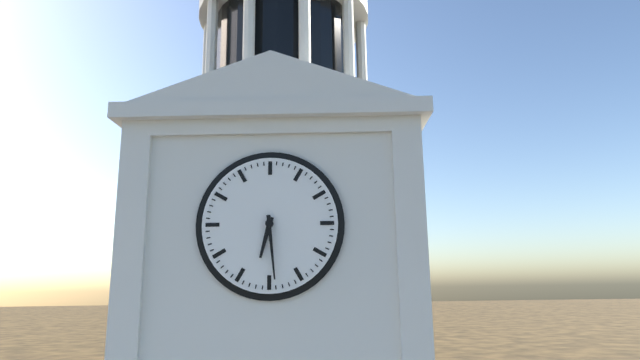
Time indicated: 6:29
